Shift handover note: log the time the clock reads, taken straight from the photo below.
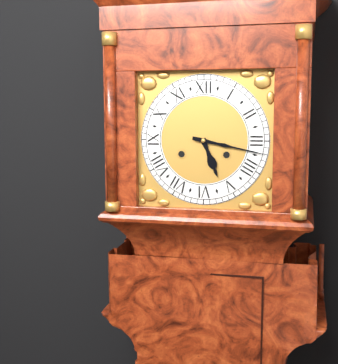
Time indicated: 5:17
